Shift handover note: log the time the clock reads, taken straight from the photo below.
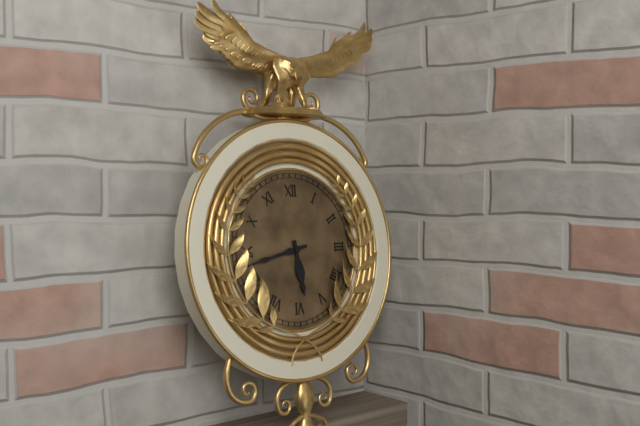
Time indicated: 5:43
